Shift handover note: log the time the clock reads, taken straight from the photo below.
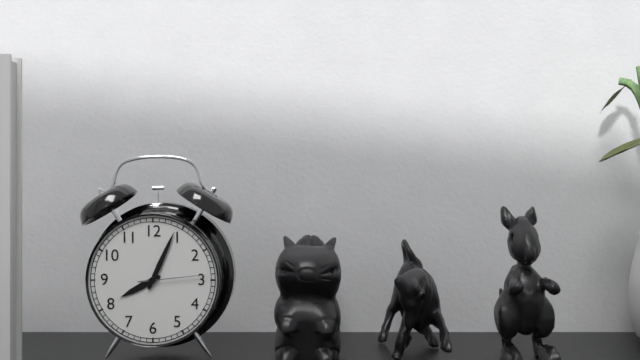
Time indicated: 8:04:14
